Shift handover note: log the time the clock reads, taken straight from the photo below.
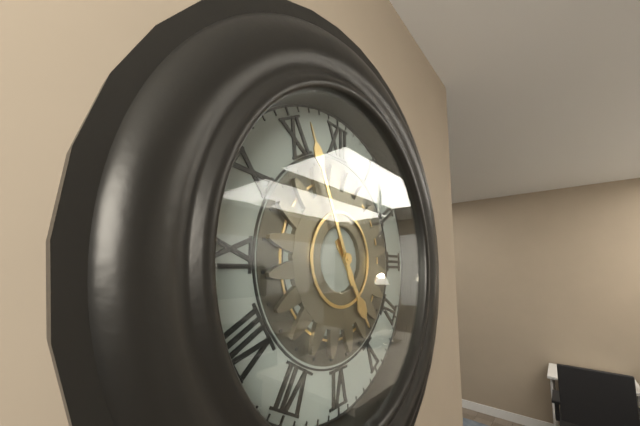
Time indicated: 4:56
